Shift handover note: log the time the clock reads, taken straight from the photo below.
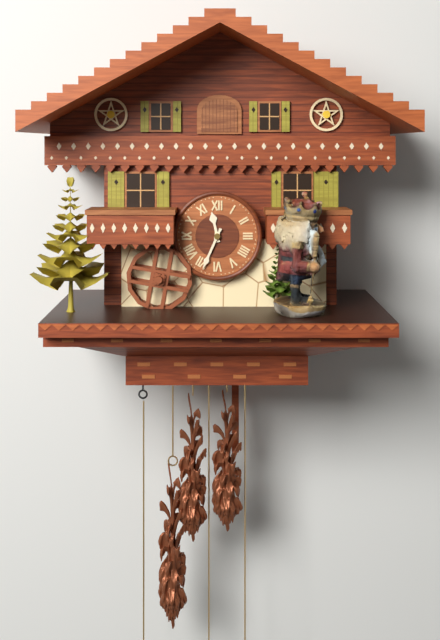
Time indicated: 11:34
